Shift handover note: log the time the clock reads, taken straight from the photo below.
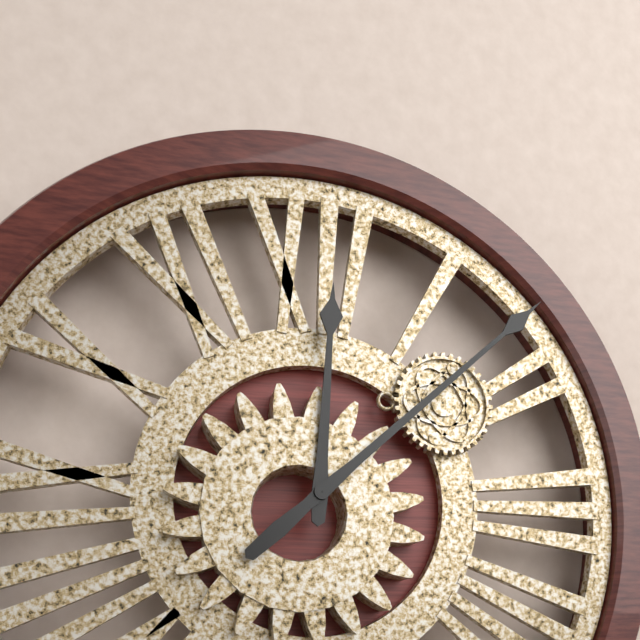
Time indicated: 12:08
